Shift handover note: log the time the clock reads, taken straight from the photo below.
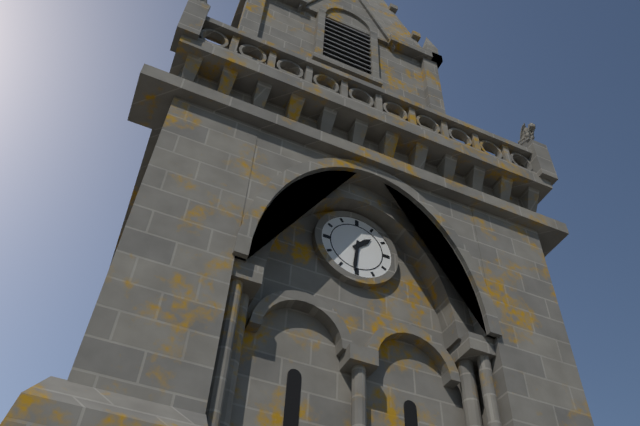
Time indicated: 1:31
